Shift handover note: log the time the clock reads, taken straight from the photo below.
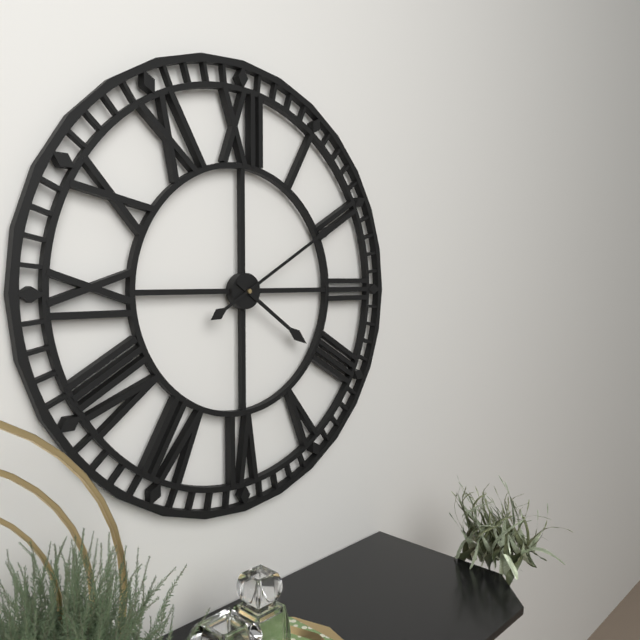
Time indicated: 4:10
